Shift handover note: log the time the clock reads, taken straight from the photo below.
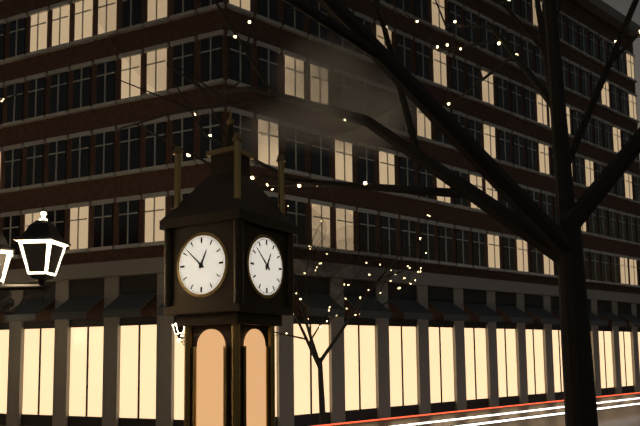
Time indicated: 12:52
